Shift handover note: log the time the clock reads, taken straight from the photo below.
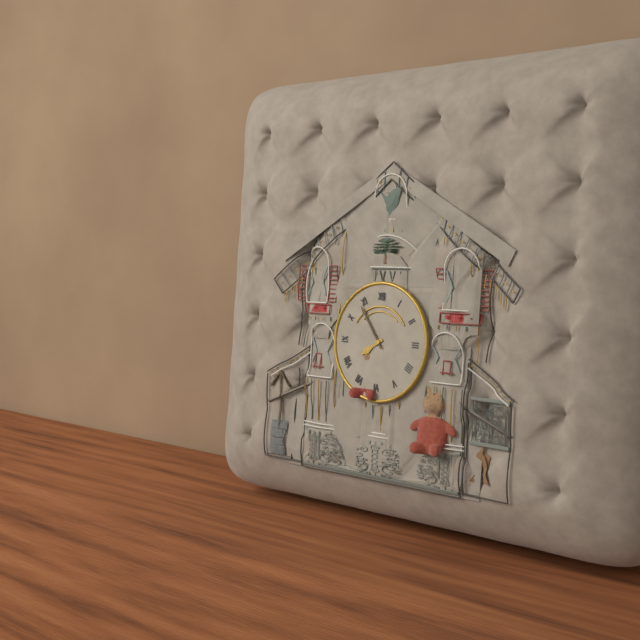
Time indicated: 7:54
